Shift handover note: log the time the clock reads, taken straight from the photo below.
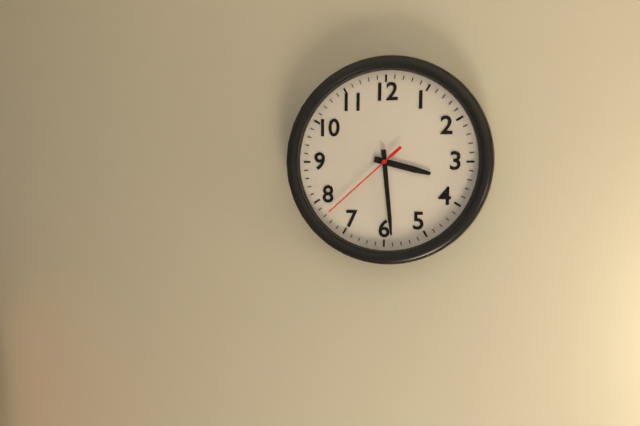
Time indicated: 3:29:38
